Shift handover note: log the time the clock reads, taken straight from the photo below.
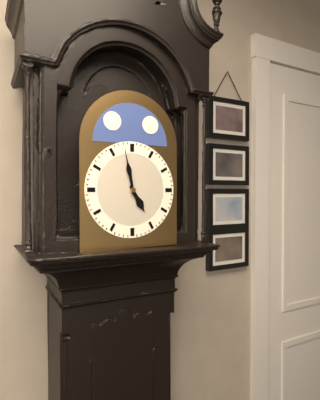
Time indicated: 4:58
